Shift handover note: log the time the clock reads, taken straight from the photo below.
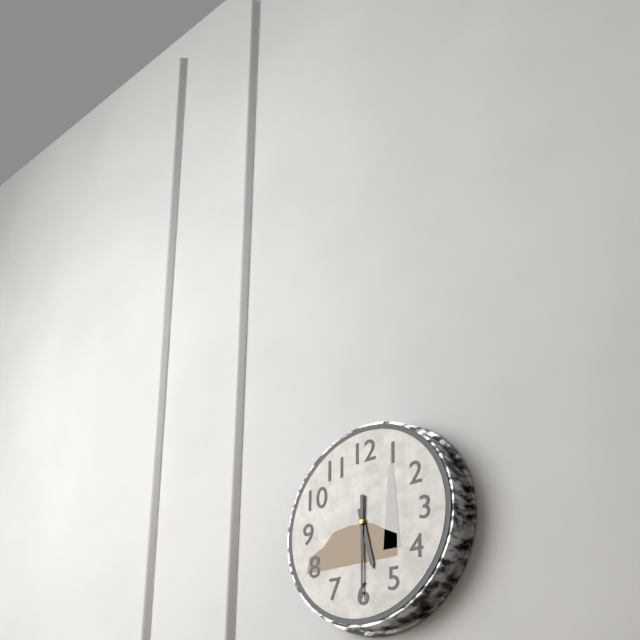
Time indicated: 5:30
